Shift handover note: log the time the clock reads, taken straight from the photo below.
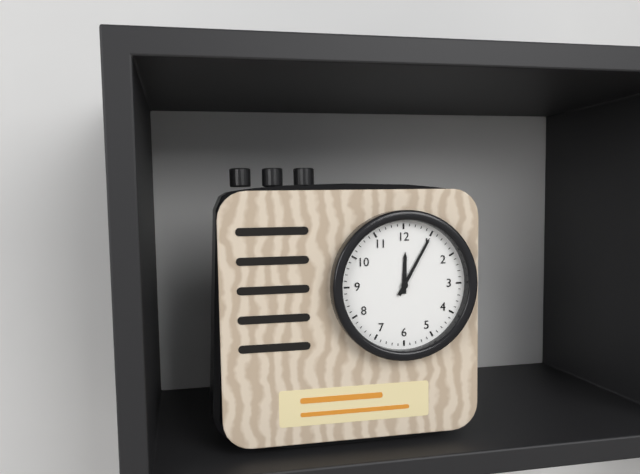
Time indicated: 12:05
